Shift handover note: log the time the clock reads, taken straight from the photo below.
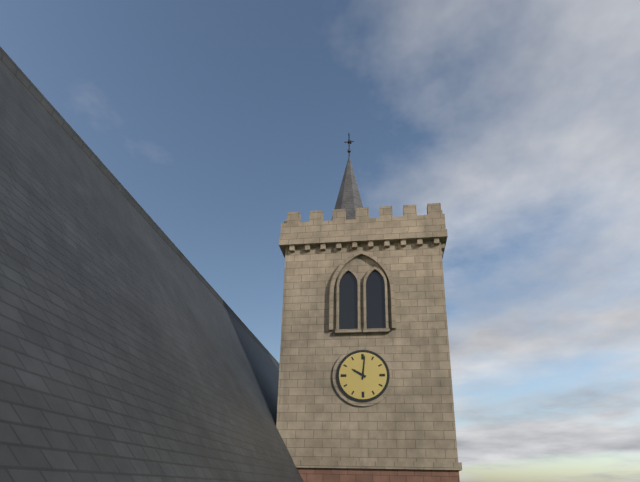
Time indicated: 10:01
